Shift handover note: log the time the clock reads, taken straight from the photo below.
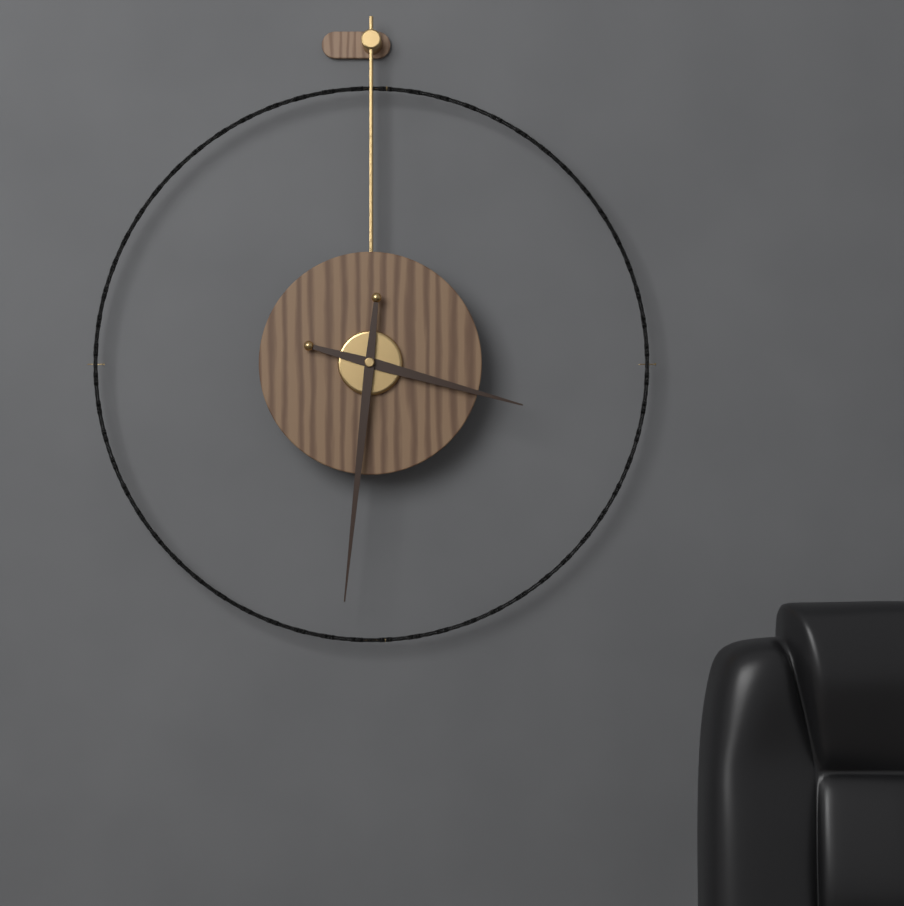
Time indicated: 3:31
